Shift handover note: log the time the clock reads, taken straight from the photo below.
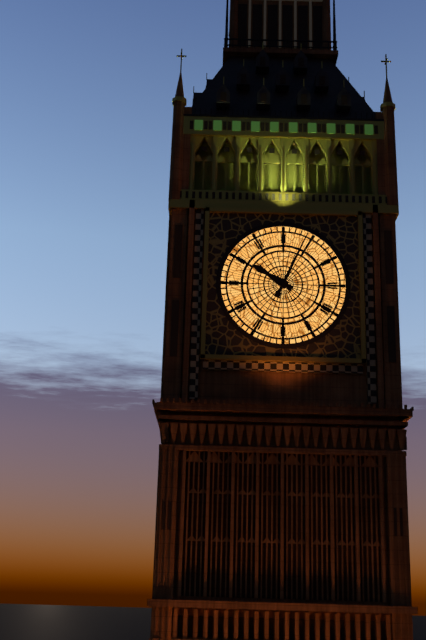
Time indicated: 10:04
